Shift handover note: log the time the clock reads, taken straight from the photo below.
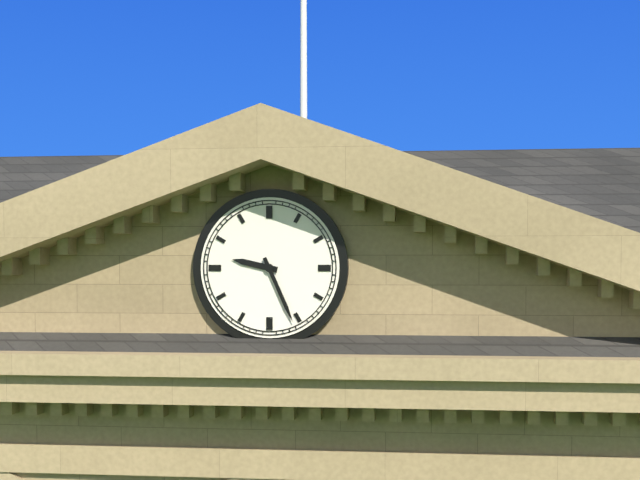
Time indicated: 9:26
